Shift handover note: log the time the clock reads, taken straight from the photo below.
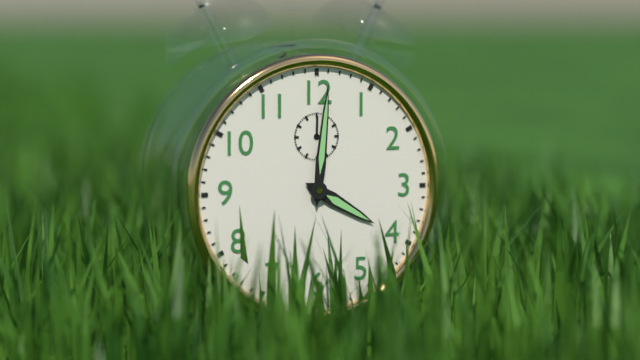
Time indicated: 4:01
